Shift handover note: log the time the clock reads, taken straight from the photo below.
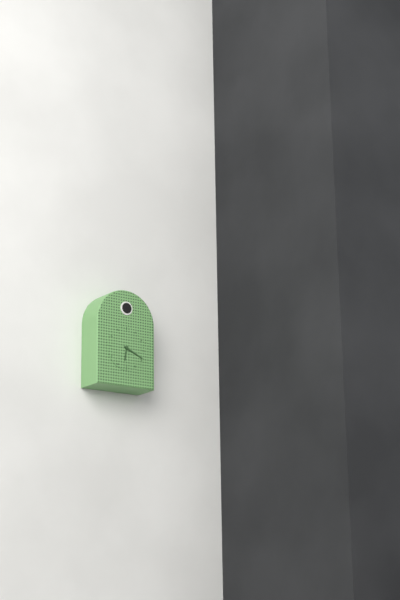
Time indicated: 6:19
